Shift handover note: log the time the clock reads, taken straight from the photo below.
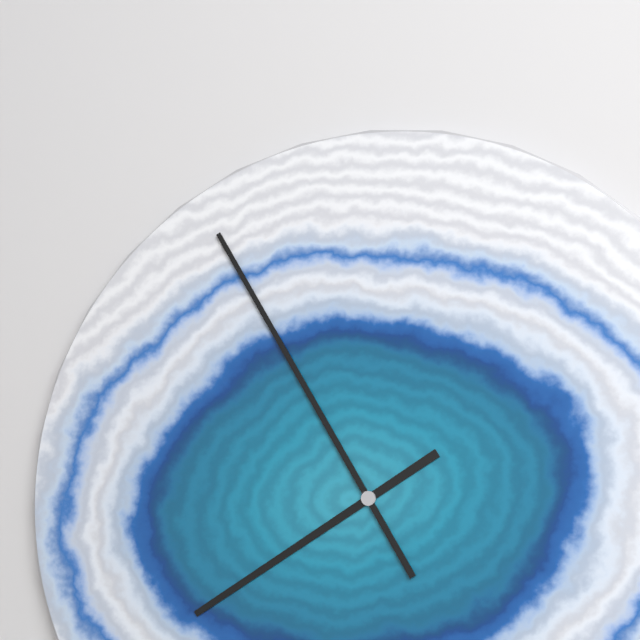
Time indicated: 7:55
